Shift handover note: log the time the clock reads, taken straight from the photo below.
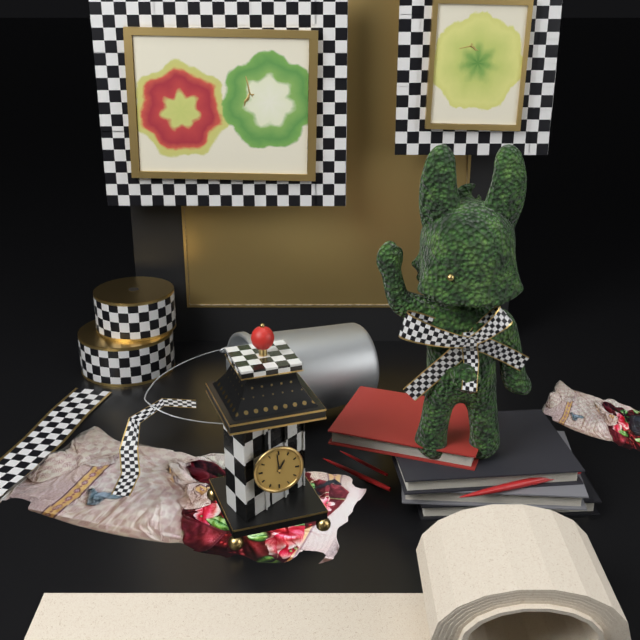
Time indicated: 12:59
